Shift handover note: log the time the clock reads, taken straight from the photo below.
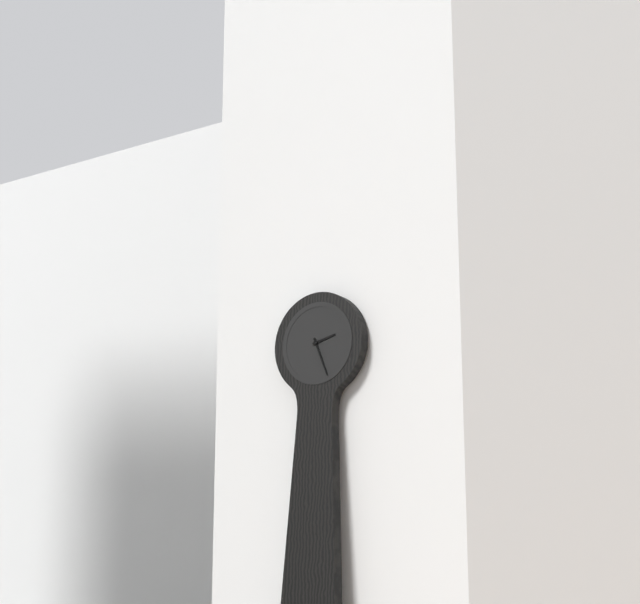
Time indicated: 2:26
